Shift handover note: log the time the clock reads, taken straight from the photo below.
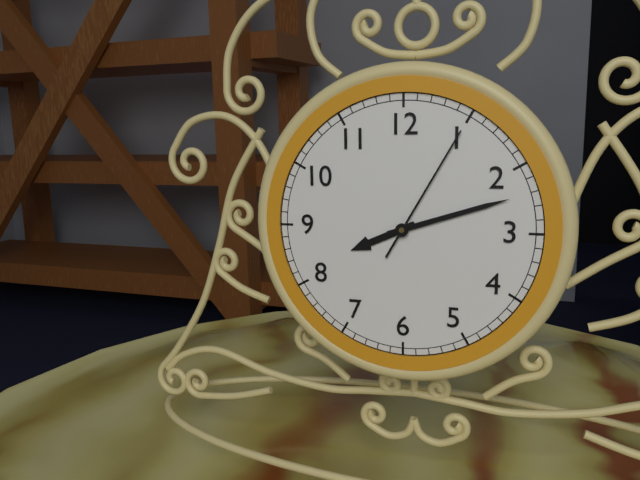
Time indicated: 8:12:05
